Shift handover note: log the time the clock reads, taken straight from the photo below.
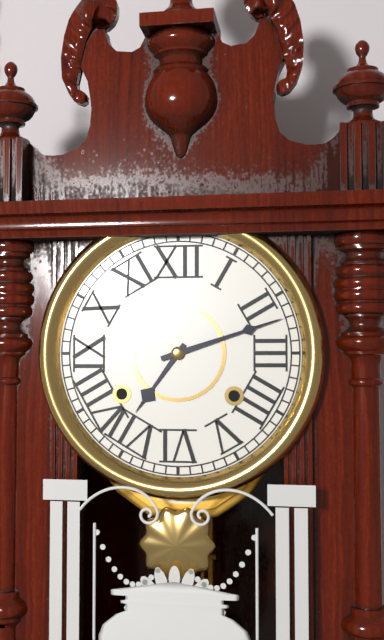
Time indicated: 7:12
